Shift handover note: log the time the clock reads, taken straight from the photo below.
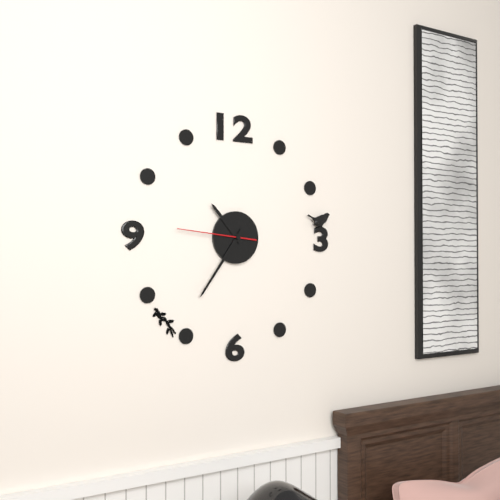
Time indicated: 10:36:46
